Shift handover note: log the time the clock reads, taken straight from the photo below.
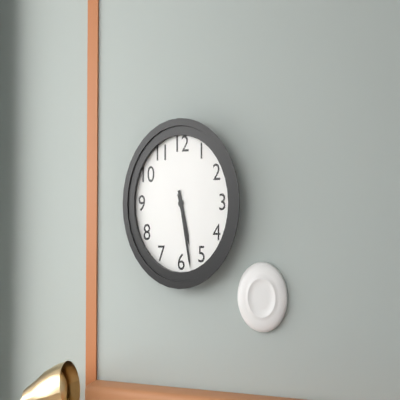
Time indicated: 5:28
